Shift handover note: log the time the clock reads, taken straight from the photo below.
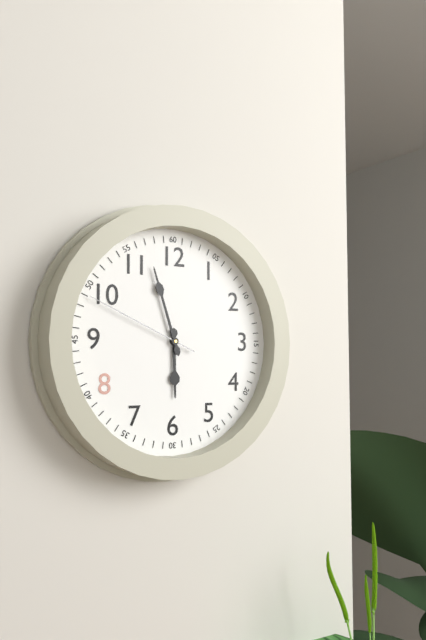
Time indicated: 5:57:49
